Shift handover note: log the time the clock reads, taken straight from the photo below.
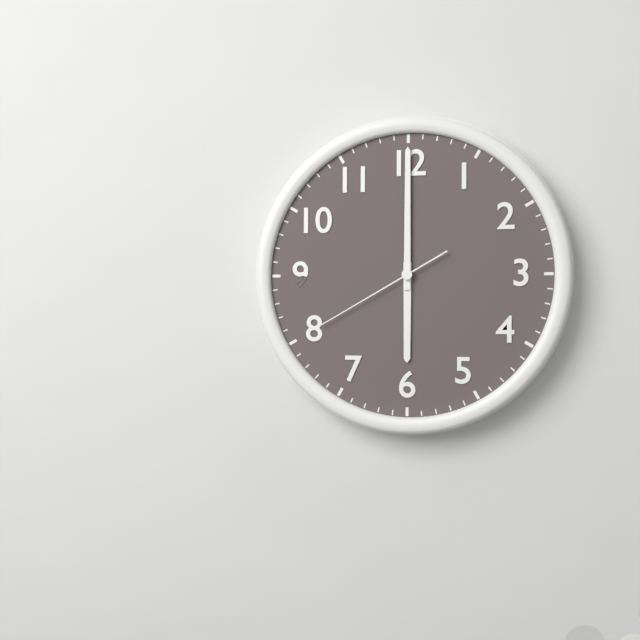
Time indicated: 6:00:40
